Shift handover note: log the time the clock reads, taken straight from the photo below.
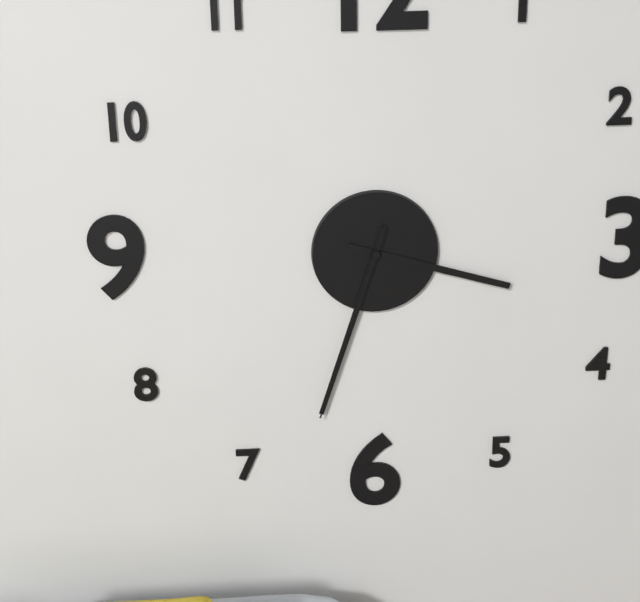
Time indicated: 3:33:33
